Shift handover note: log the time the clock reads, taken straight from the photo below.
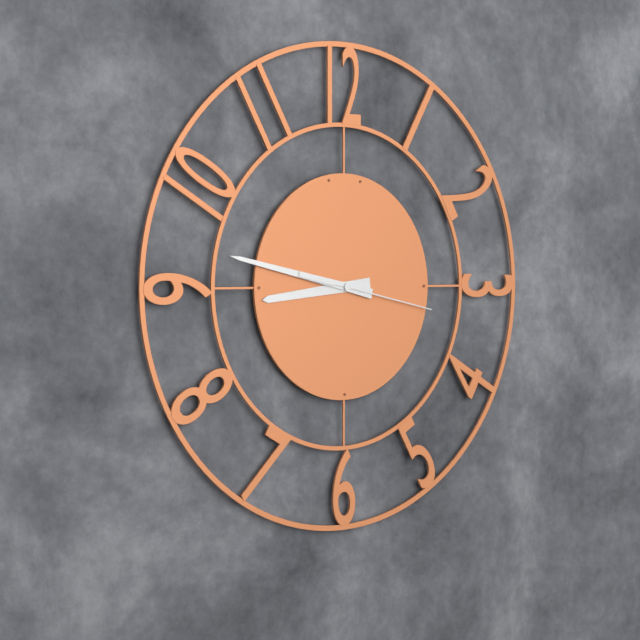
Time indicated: 8:47:17
